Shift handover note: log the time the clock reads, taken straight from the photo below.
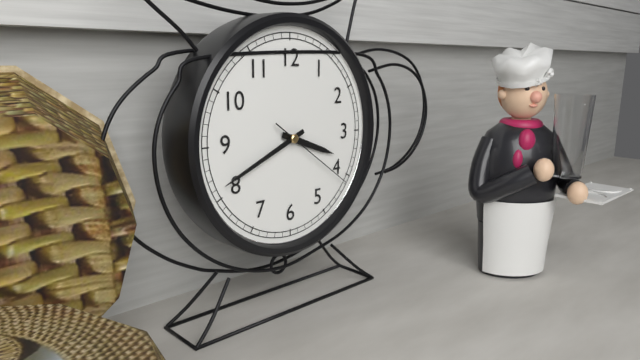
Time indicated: 3:41:21
